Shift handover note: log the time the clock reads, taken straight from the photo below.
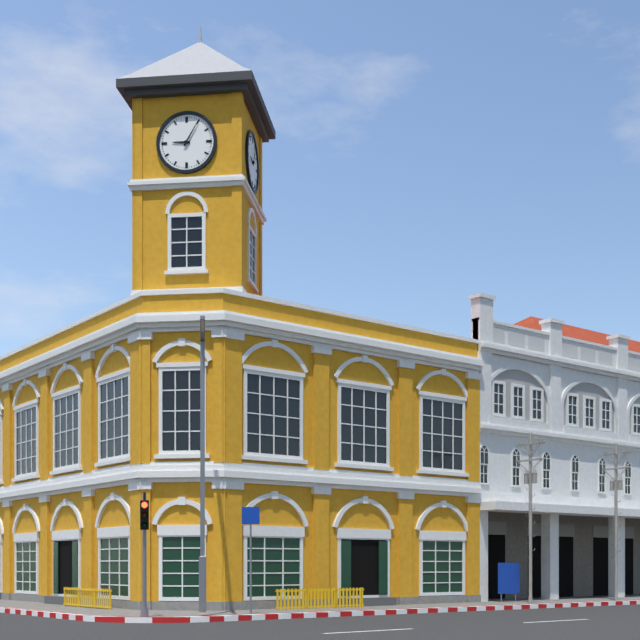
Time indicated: 9:05
